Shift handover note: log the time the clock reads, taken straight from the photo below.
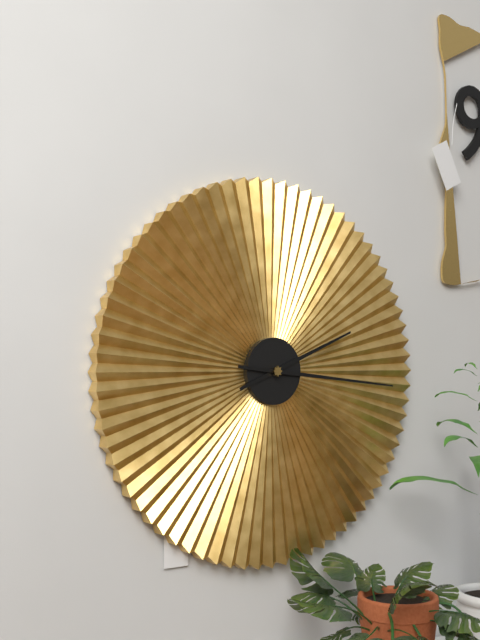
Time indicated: 2:16
